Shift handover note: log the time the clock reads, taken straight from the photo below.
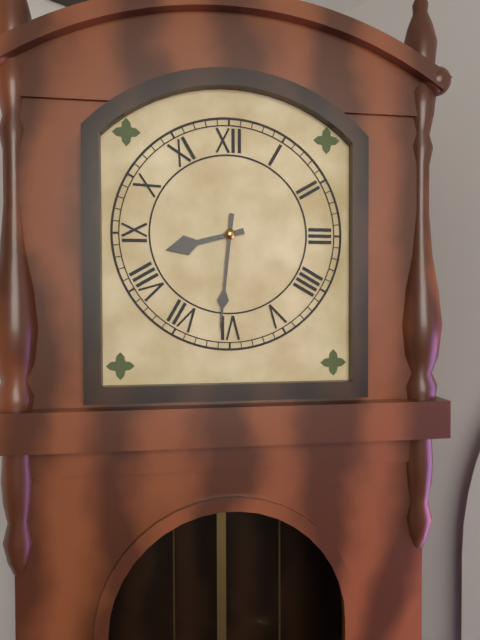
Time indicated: 8:31
